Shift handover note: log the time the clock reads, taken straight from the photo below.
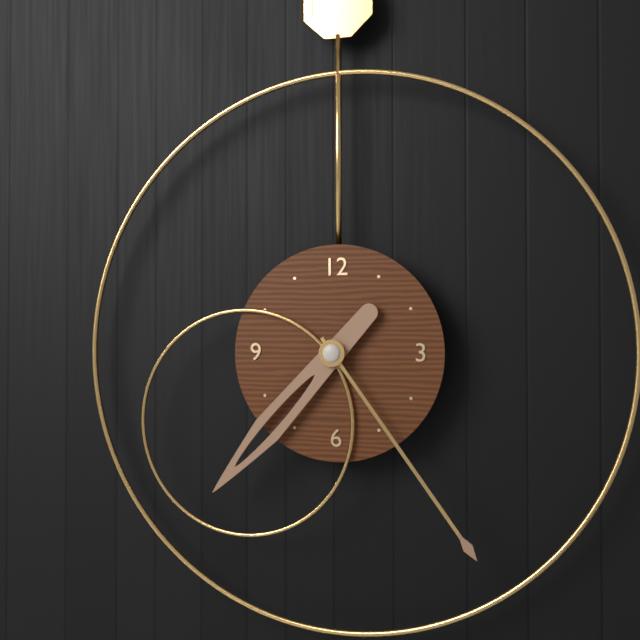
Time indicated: 7:24
